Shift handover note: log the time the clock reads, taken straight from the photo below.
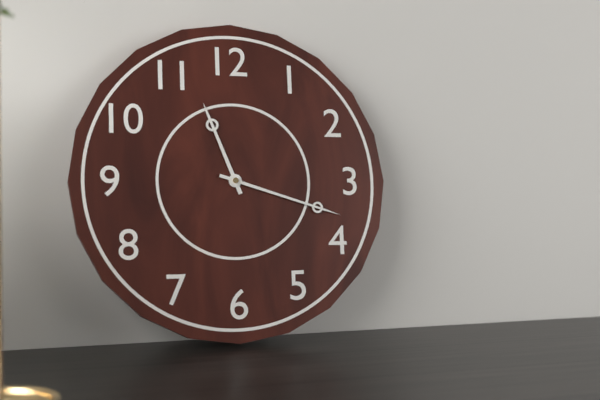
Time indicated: 11:18
